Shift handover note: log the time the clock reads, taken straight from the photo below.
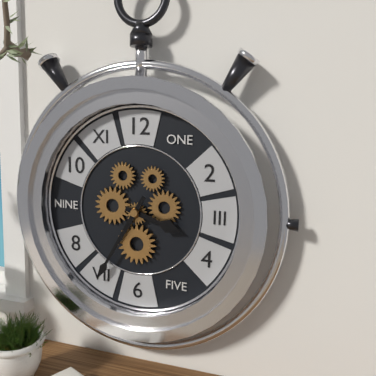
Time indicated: 3:35
